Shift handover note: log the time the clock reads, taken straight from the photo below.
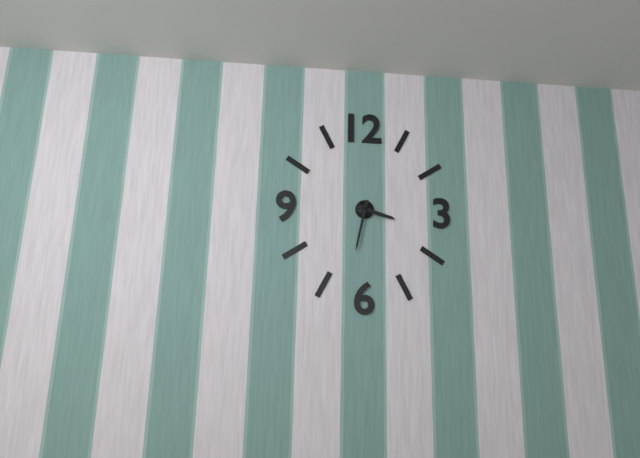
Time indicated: 3:32
